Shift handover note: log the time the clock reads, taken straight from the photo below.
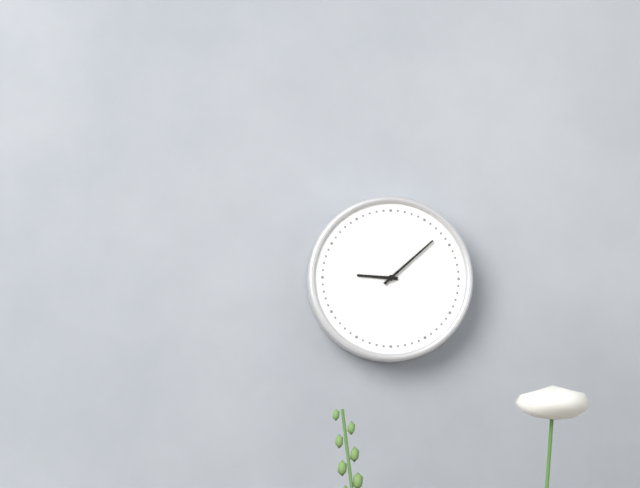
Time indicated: 9:08
